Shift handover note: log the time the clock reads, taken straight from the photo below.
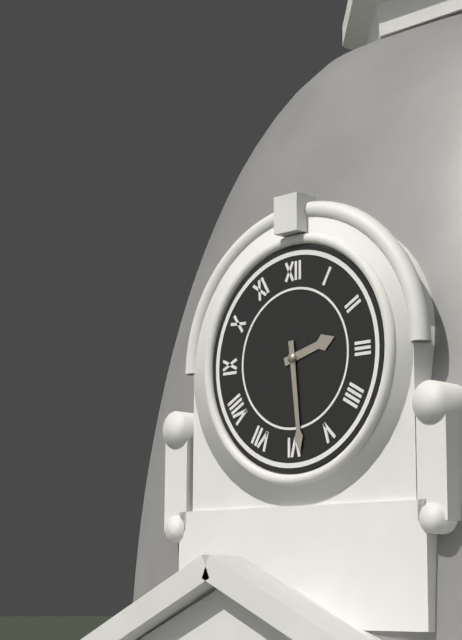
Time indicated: 2:29
